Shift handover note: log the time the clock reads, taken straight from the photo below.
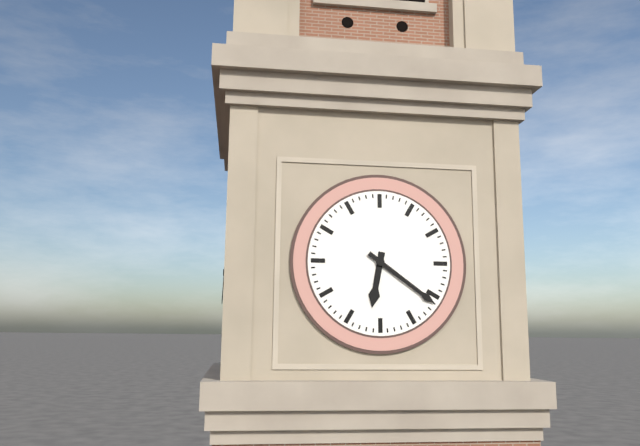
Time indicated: 6:21
